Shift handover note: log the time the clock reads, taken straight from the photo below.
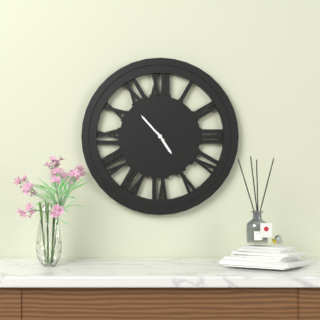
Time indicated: 4:53
